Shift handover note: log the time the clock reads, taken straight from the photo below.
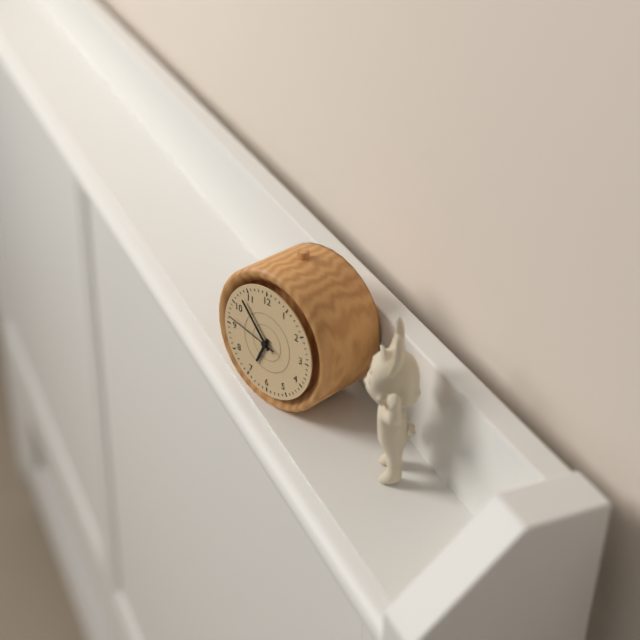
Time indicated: 6:53:47
